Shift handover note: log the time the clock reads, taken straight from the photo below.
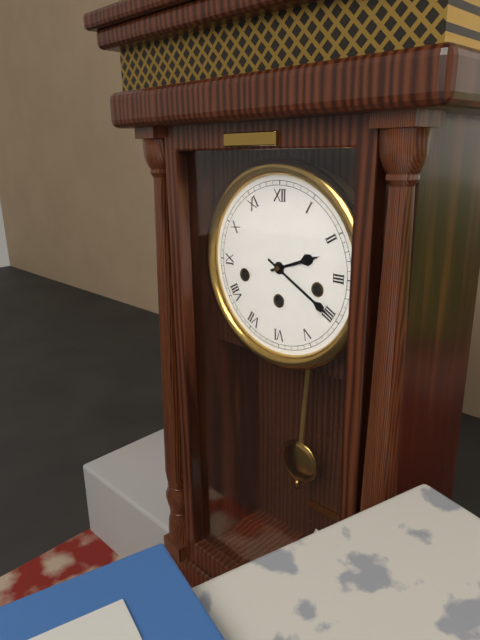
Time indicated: 2:20
